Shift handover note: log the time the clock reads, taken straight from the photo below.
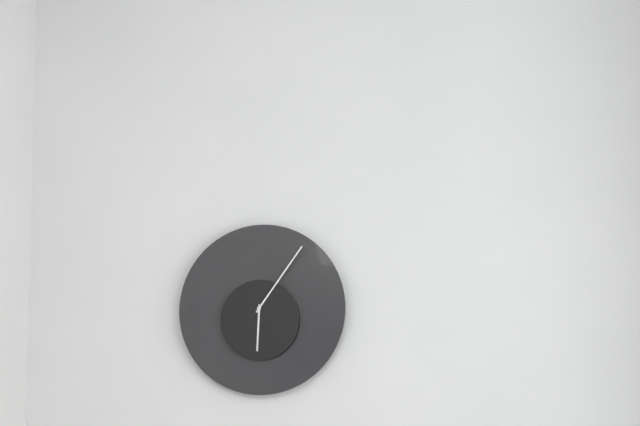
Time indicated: 6:06
